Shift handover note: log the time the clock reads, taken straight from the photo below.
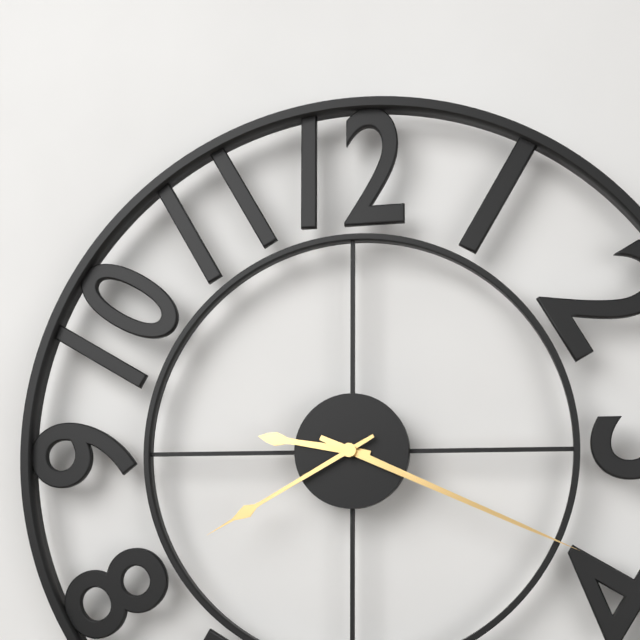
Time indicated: 9:19:40
